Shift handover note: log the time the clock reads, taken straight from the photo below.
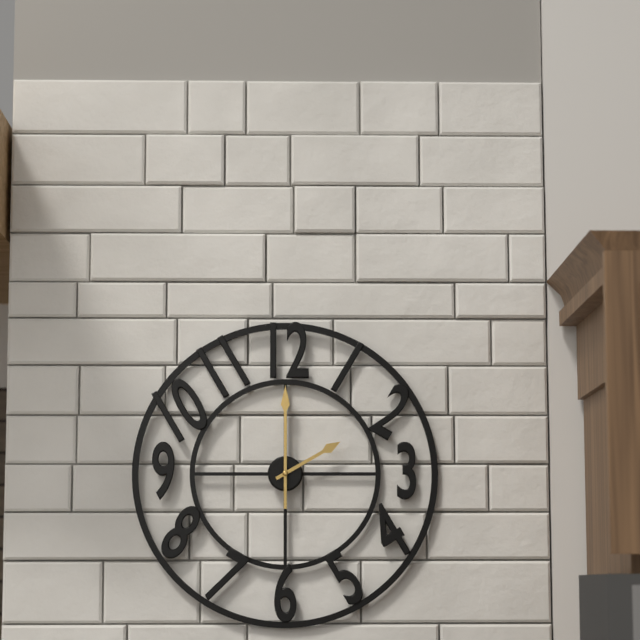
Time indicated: 2:00
